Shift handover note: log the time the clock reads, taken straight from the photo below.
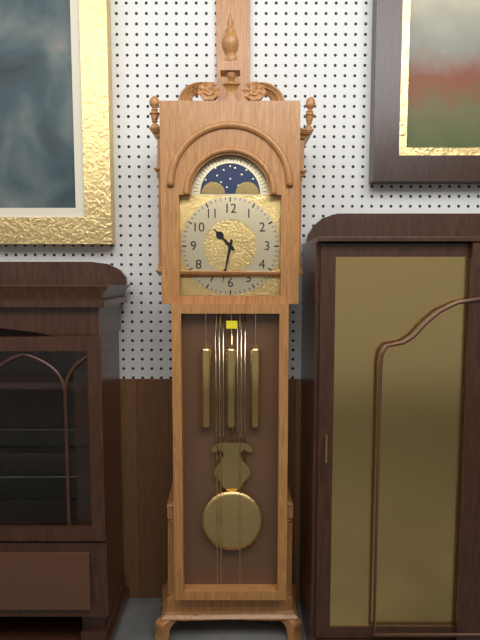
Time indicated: 10:32
